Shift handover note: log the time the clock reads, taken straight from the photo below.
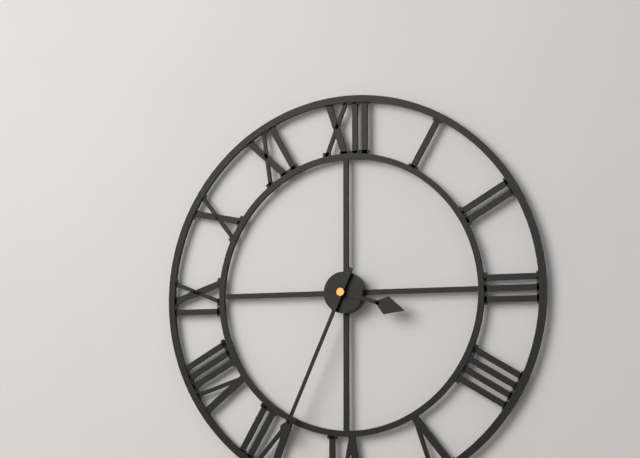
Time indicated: 3:34
